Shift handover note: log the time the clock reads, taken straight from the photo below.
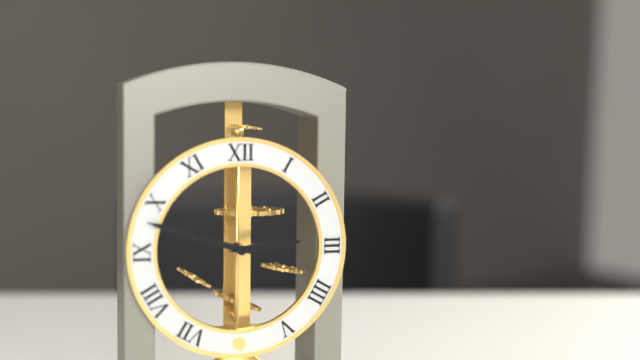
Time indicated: 2:48
